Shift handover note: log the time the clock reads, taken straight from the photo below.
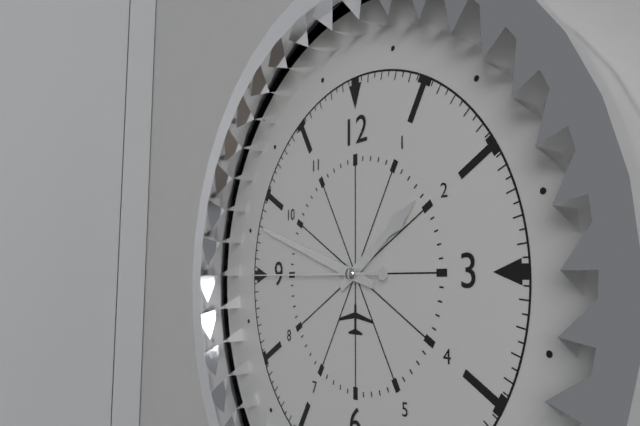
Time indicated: 1:48:45
